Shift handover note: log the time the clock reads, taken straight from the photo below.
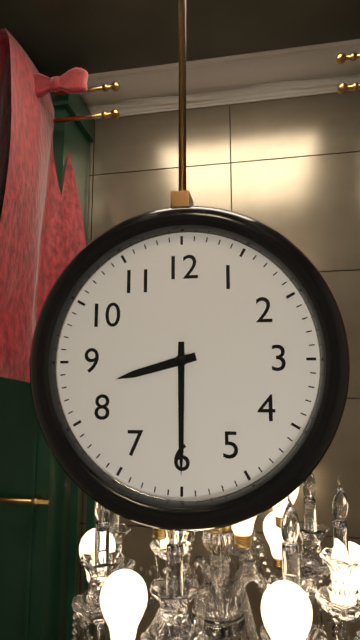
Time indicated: 8:30
